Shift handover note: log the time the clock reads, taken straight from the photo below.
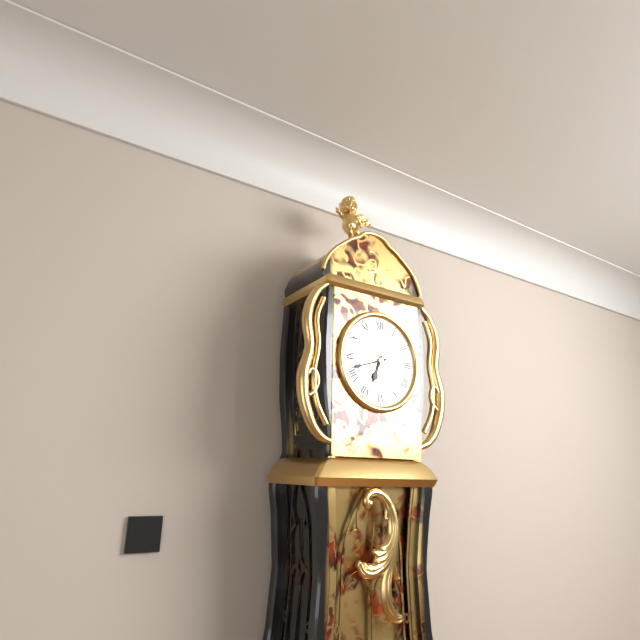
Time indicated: 6:42
